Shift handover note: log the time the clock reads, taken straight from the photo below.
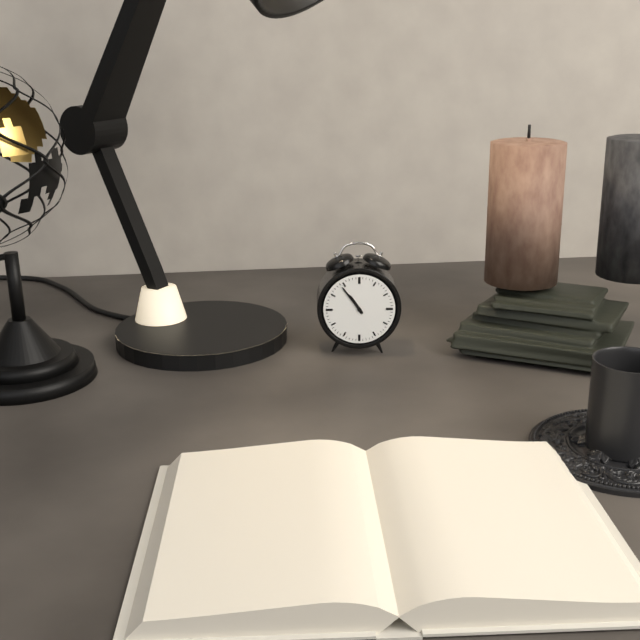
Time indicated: 10:54
